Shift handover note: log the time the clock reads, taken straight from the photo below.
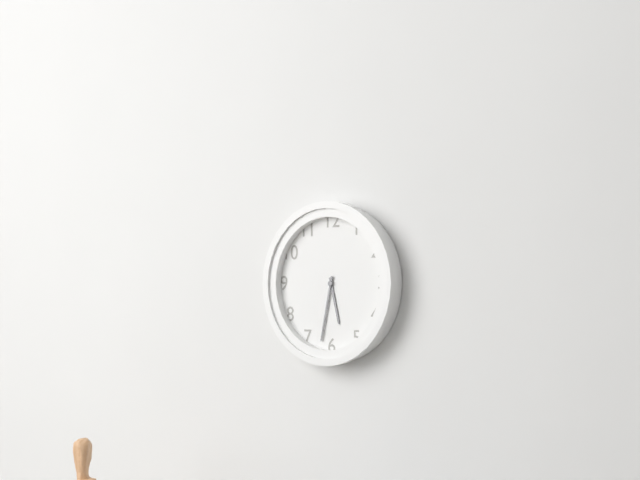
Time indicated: 5:32
